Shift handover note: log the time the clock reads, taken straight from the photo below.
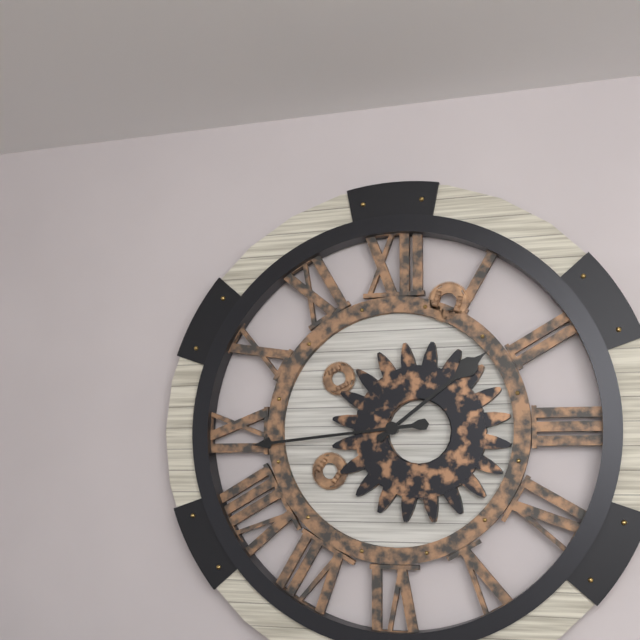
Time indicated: 1:44
